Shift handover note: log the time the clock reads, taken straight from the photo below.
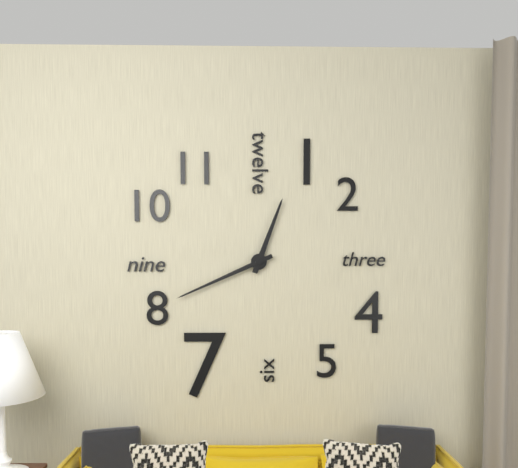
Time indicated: 12:41
